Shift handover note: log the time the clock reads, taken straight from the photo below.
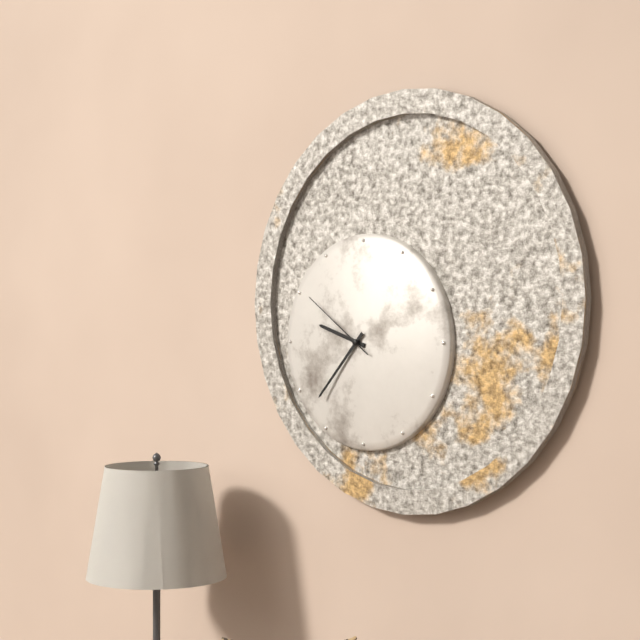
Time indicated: 9:37:51
